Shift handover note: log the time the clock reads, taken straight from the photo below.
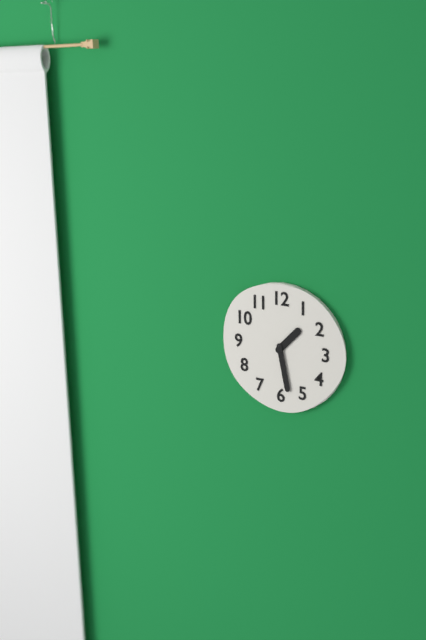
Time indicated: 1:28
